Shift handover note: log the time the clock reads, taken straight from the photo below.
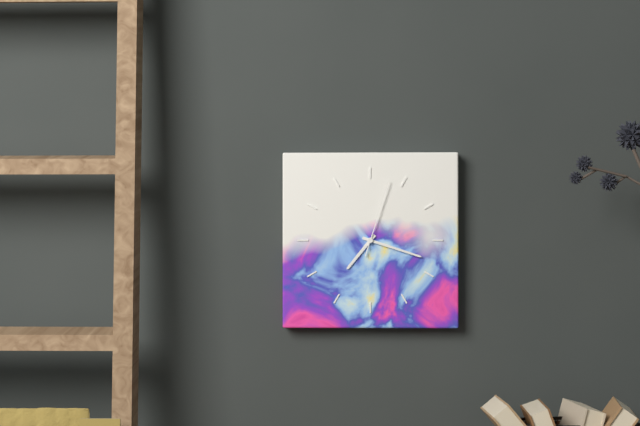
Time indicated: 7:18:03
